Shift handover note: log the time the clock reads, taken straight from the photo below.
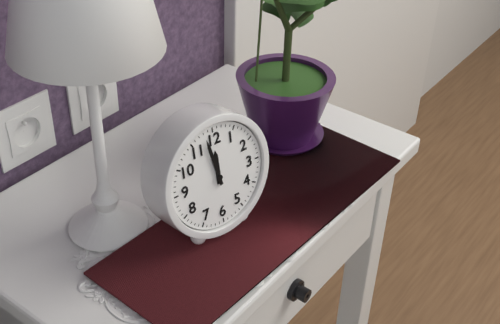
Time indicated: 11:58
